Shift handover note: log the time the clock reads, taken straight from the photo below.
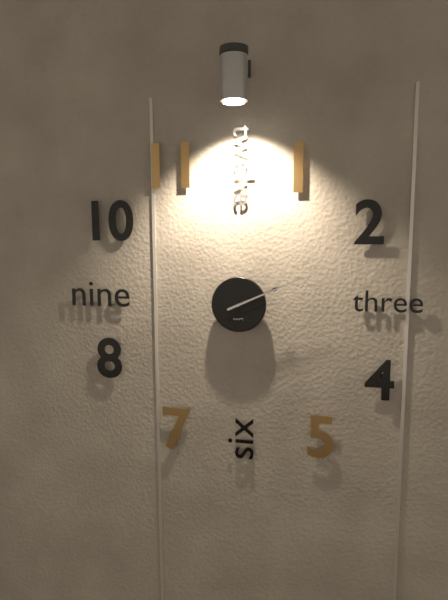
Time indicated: 2:11
